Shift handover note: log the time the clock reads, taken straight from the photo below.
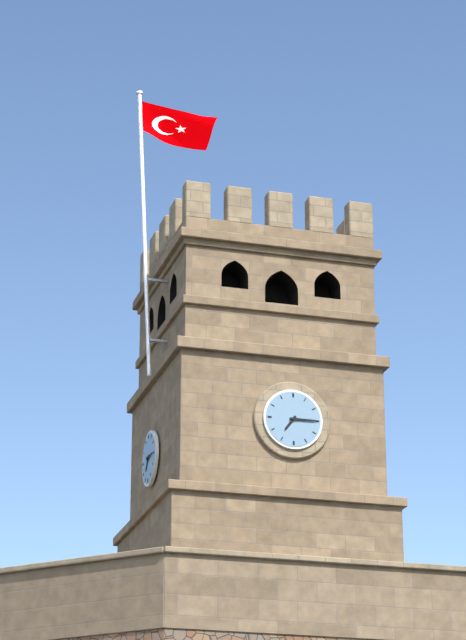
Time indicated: 7:15
